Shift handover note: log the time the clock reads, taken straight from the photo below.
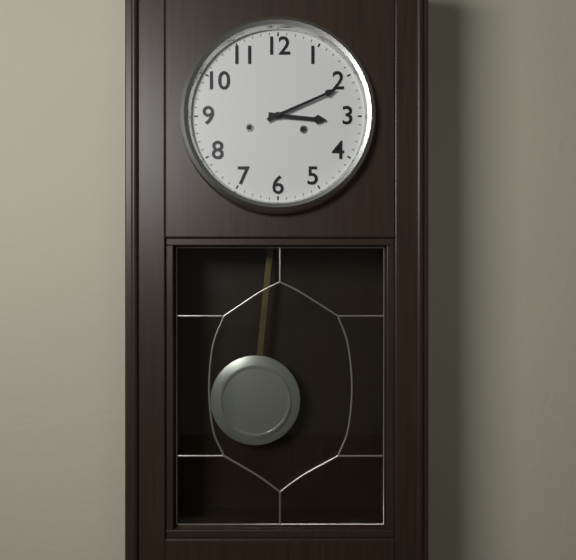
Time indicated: 3:11
